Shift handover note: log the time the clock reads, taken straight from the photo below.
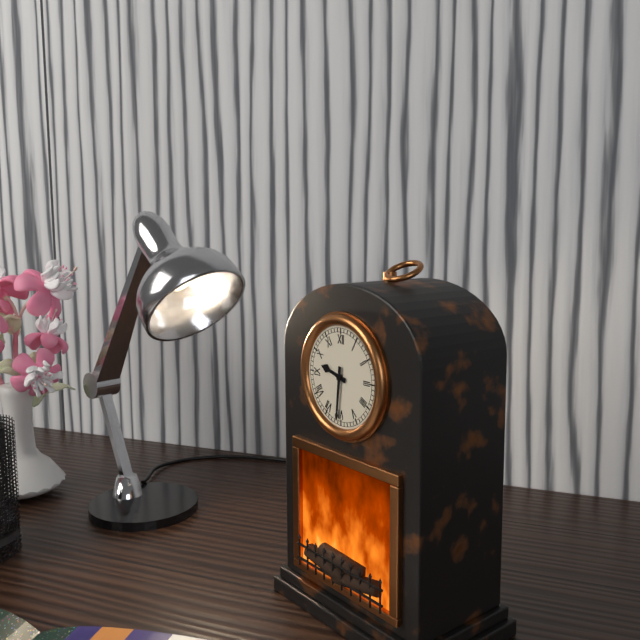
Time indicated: 9:31
